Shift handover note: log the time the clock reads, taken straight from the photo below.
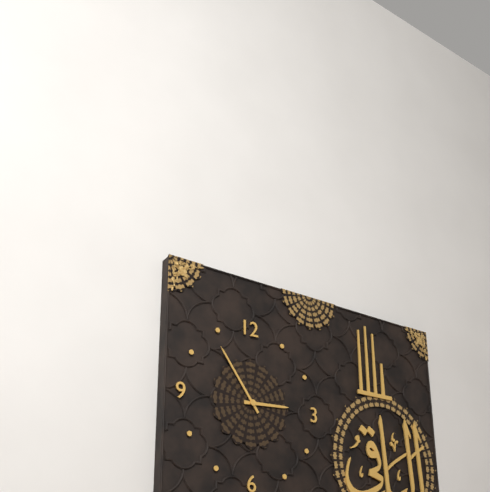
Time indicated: 2:54
